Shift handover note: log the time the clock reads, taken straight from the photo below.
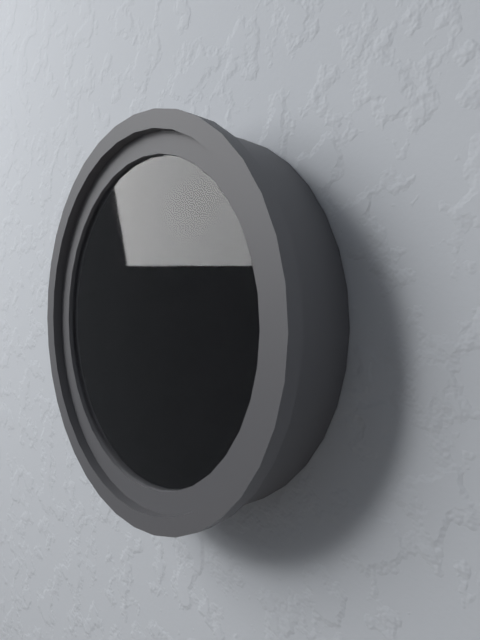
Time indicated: 9:01:53
